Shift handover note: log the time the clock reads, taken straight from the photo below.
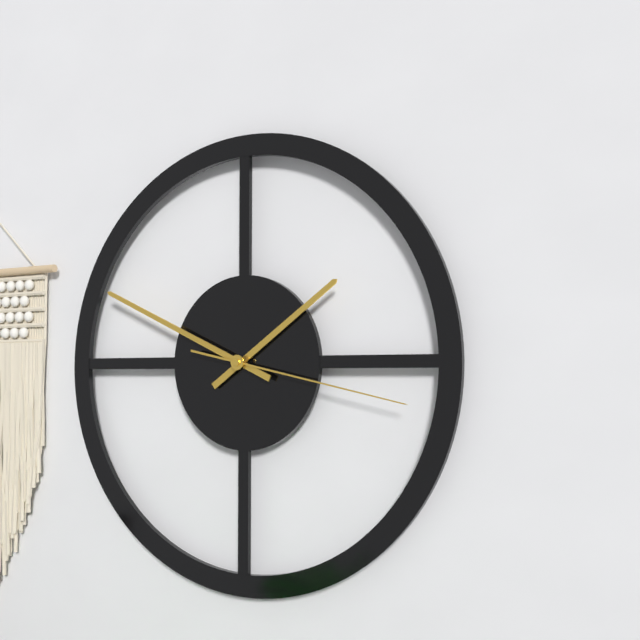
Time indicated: 1:49:17
